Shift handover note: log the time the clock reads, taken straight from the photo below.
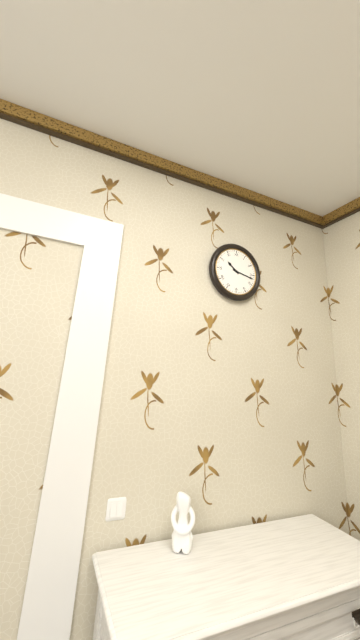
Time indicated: 10:17
